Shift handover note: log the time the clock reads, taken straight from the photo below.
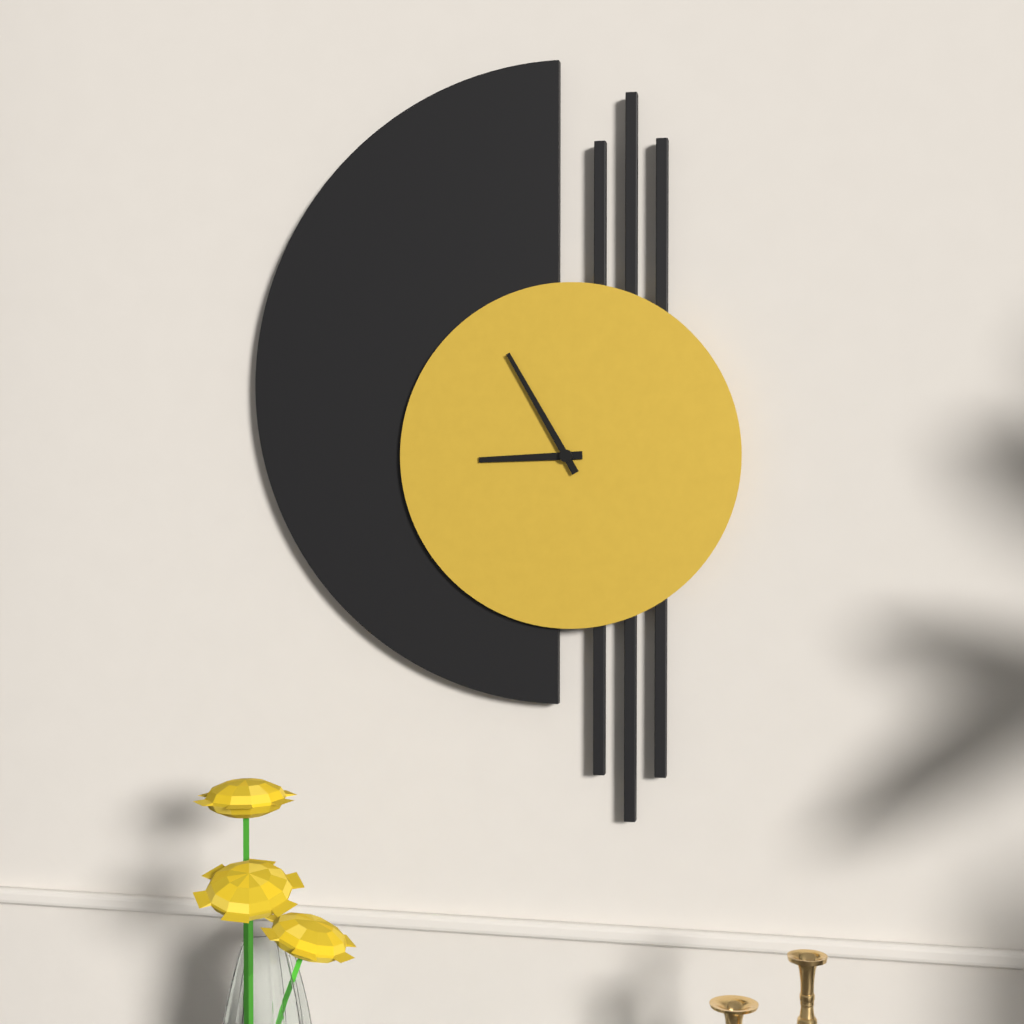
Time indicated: 8:55
